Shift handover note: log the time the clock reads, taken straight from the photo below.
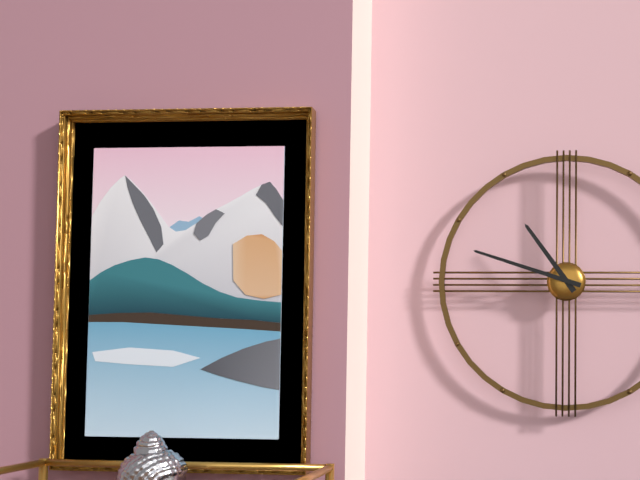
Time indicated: 10:48
